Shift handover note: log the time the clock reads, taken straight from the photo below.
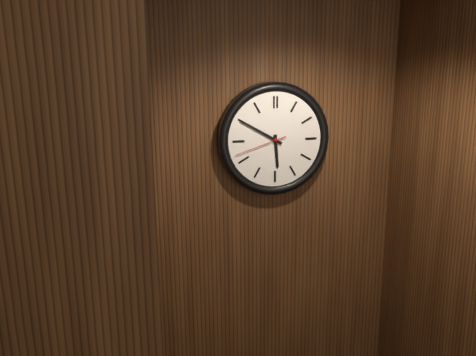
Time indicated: 5:50
